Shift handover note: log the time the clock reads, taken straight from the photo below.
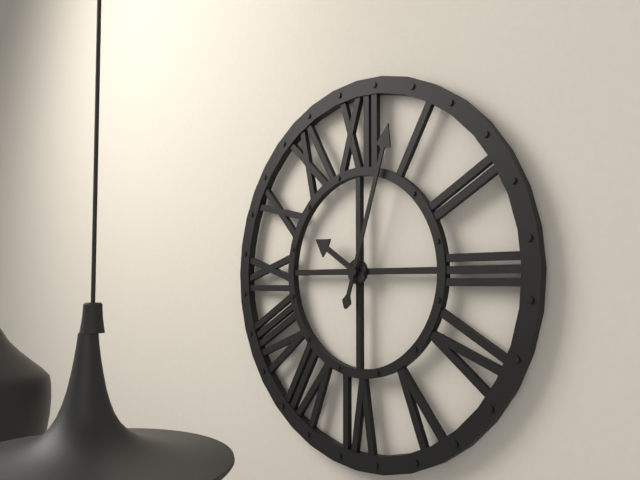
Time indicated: 10:03
